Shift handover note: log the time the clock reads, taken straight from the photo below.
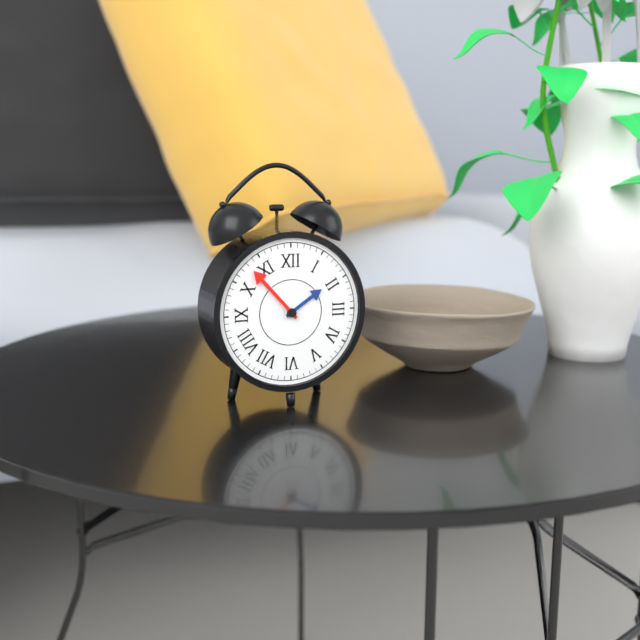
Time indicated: 1:53
